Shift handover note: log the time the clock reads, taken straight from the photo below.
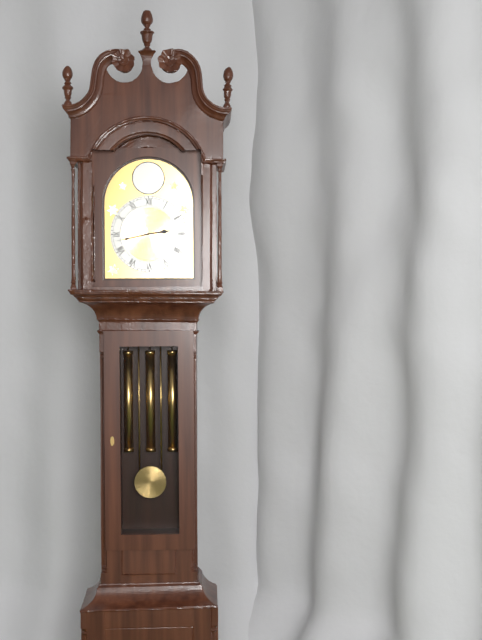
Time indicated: 2:43
